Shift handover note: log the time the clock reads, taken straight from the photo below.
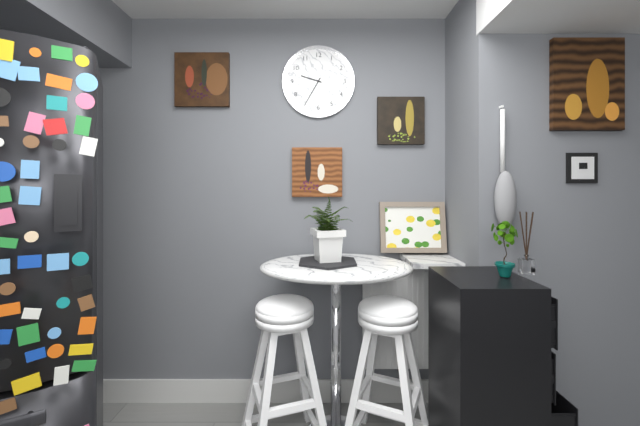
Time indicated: 9:35
